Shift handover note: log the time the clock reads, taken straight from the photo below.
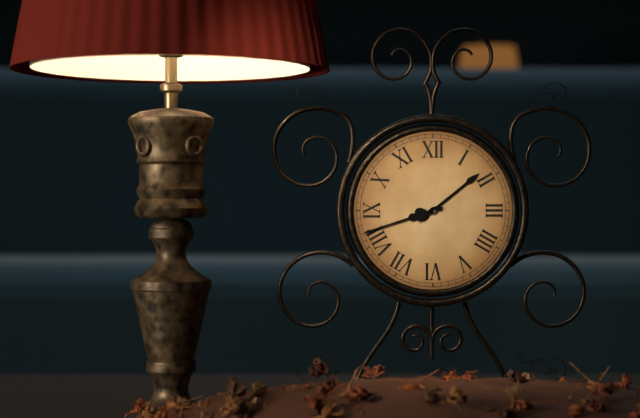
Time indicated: 1:42
